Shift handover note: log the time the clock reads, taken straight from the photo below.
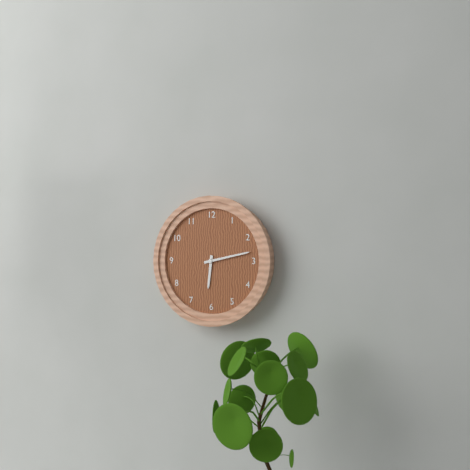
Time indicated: 6:13
